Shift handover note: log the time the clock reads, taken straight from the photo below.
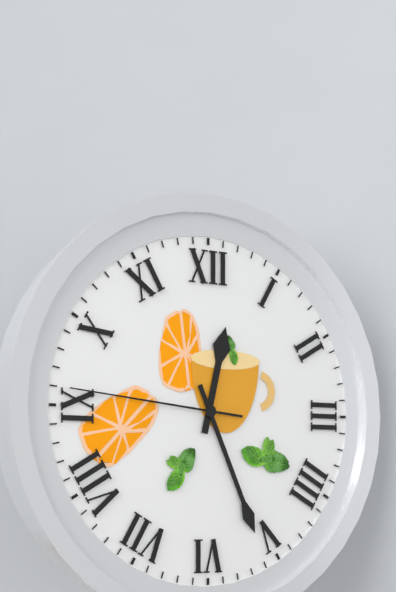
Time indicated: 12:26:46
